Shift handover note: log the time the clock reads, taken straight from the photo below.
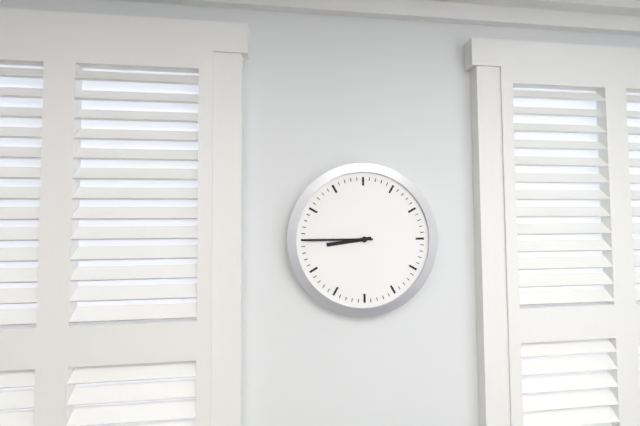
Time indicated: 8:45
